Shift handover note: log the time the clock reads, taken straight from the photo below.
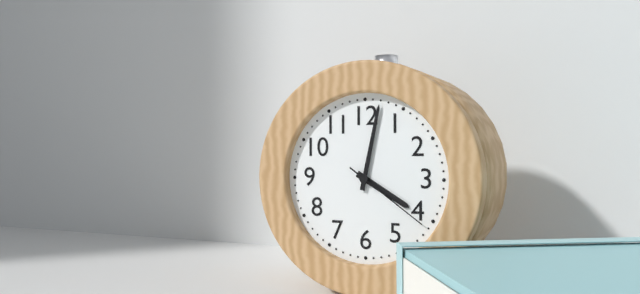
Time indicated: 4:02:21
